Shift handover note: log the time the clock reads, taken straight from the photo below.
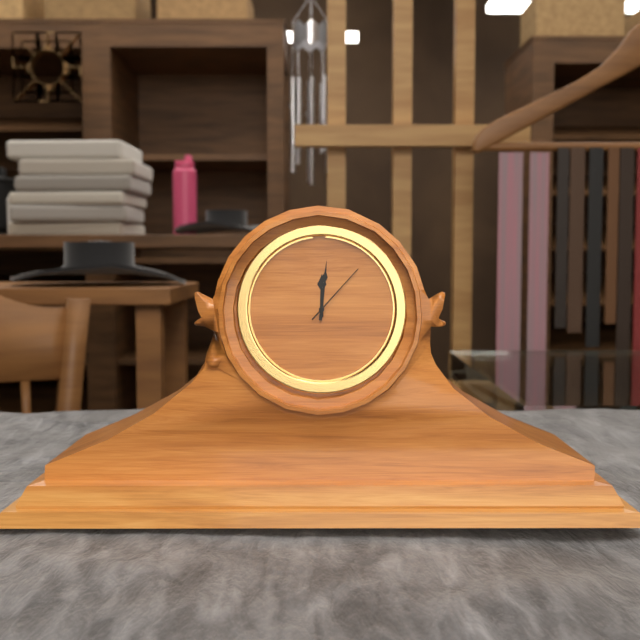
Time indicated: 12:01:07
